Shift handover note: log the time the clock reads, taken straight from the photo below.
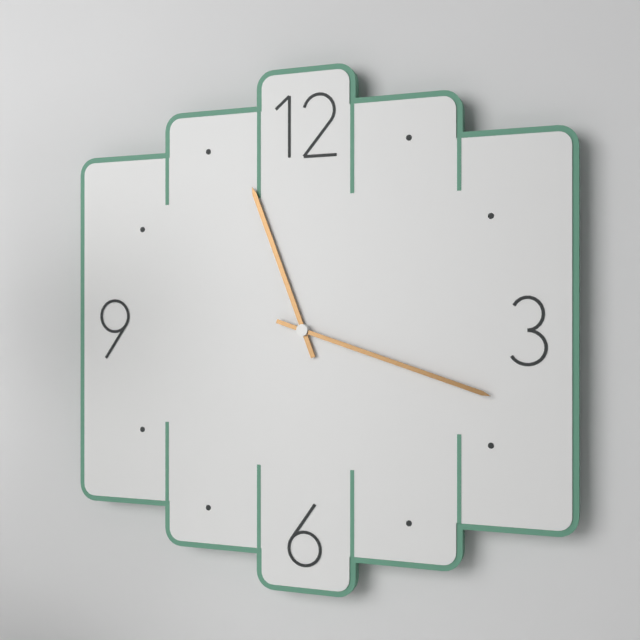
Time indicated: 11:18
